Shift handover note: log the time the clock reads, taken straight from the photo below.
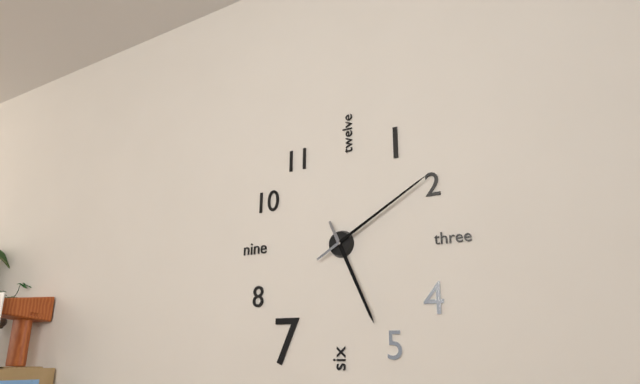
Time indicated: 5:10
